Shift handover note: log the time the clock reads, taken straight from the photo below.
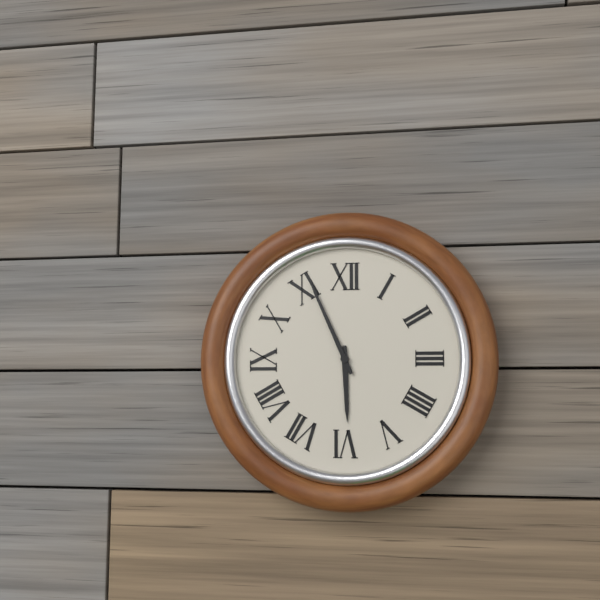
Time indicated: 5:56
